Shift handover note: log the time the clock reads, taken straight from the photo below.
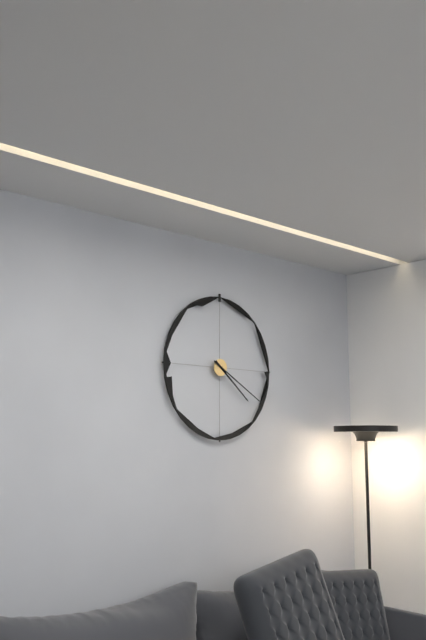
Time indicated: 4:20
